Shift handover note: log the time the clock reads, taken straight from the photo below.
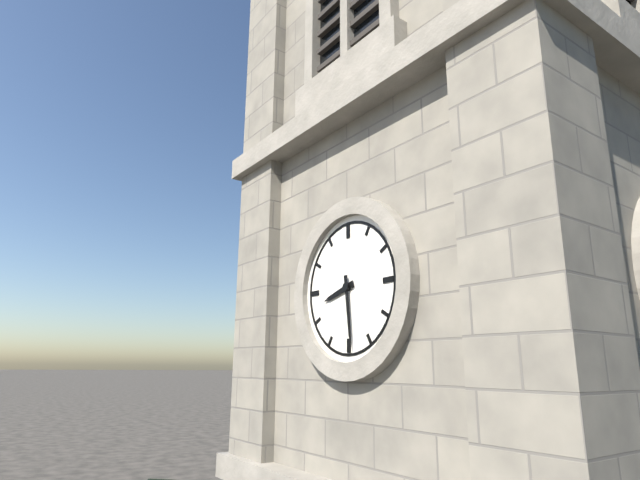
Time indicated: 8:29
